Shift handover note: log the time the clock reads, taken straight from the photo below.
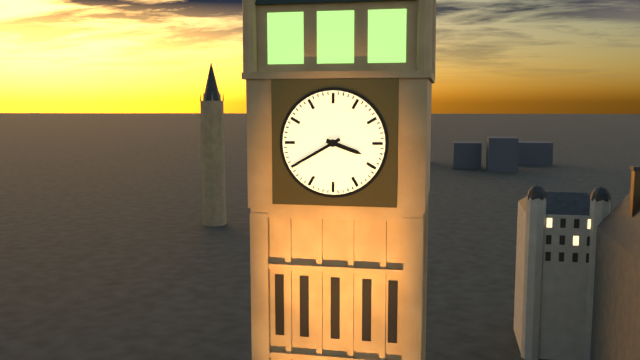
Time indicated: 3:40
